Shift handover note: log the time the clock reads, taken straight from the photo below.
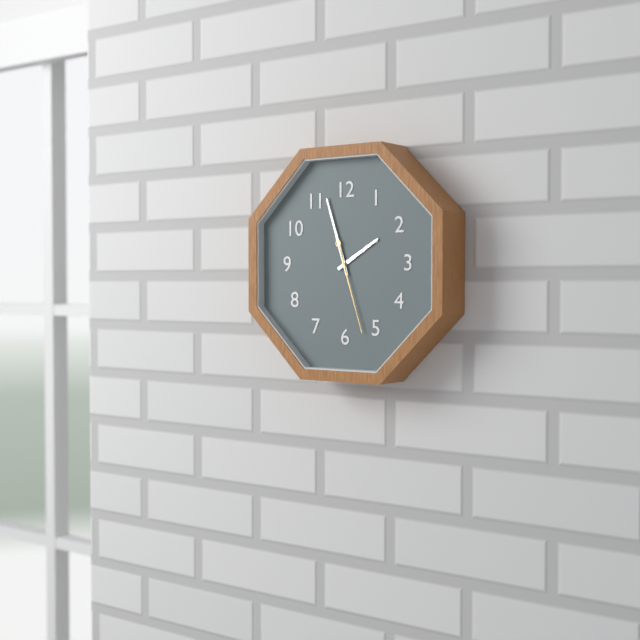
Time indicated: 1:57:27
